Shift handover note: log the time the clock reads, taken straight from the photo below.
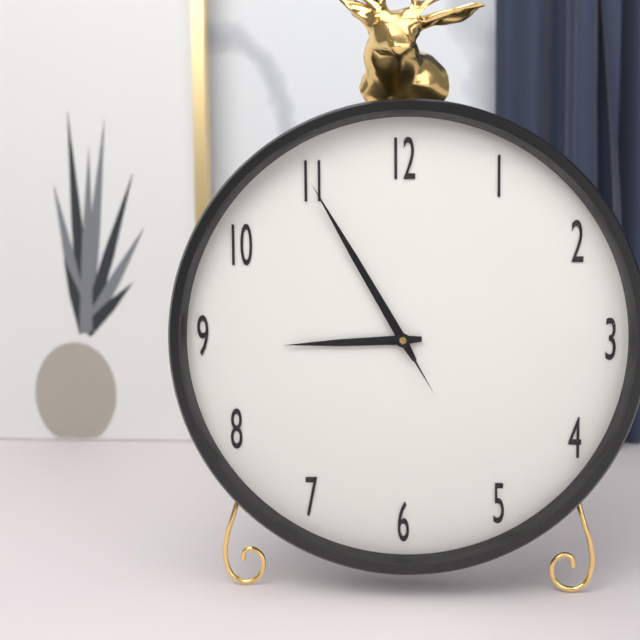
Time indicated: 8:55:55
